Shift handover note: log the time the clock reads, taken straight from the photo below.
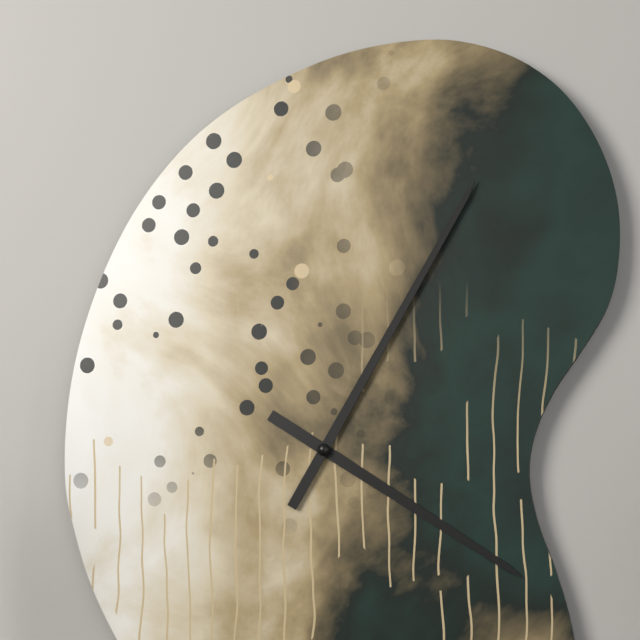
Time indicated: 4:05
